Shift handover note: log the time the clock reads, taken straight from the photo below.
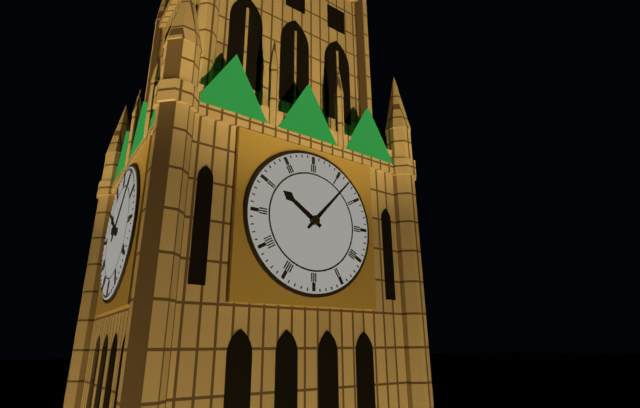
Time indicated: 10:07
